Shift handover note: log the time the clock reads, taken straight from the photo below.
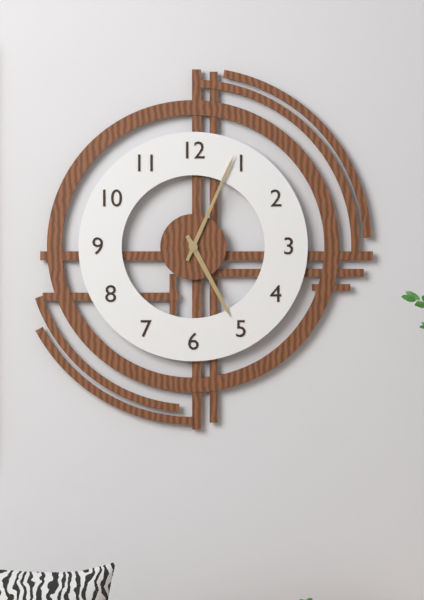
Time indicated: 5:04
